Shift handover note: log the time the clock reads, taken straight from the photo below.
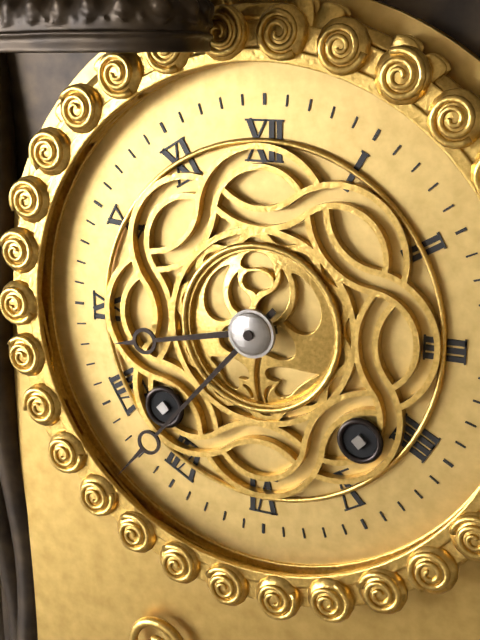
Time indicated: 8:37
